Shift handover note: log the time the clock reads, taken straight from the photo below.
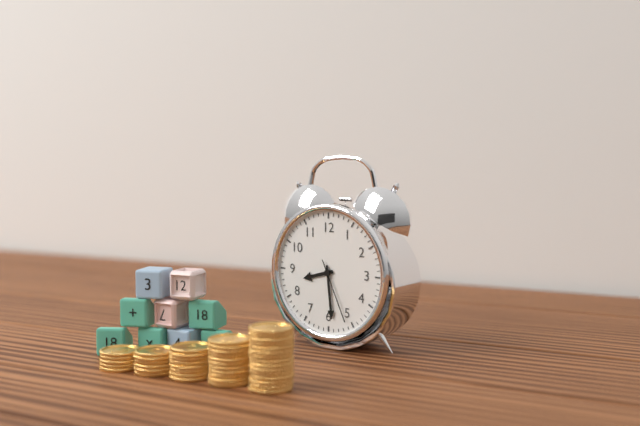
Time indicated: 8:29:26
